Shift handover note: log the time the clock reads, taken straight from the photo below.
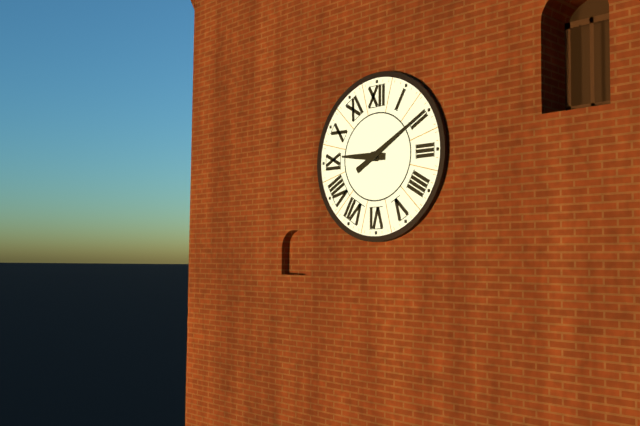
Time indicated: 9:10
